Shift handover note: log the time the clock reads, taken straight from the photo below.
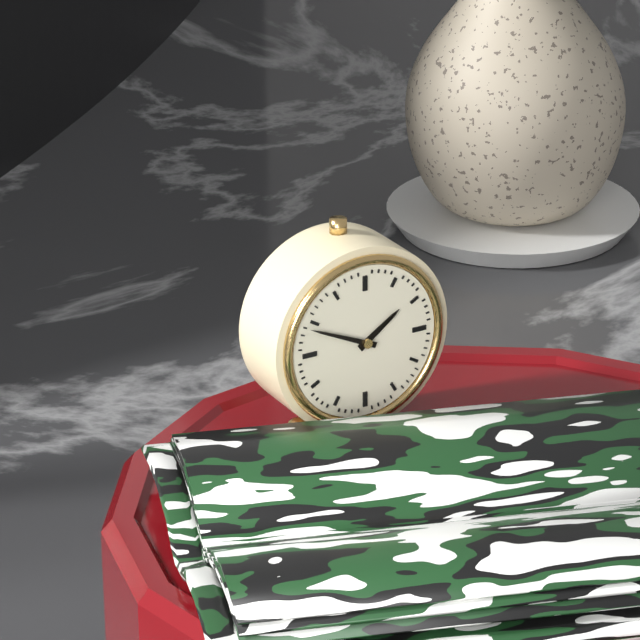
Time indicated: 1:49
